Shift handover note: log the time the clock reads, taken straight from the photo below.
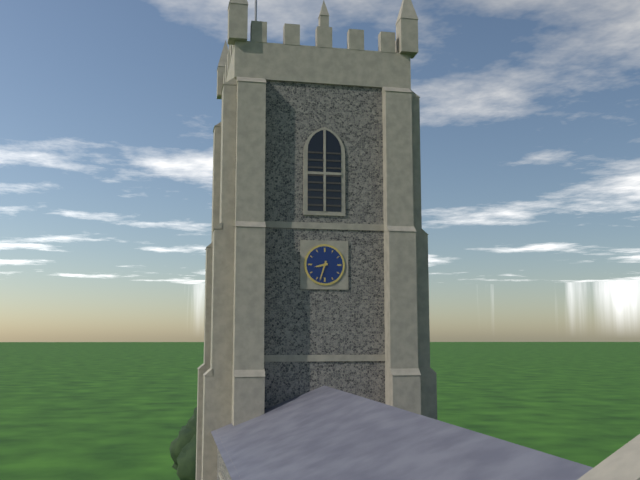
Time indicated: 8:33
